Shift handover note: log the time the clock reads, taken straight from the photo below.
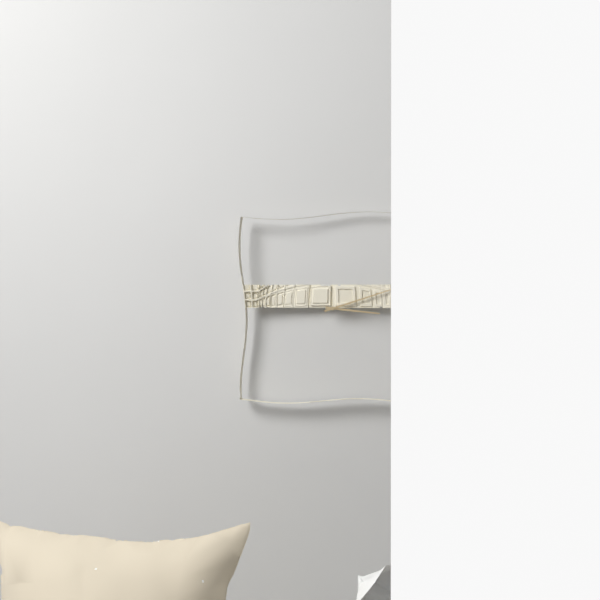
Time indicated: 3:12
